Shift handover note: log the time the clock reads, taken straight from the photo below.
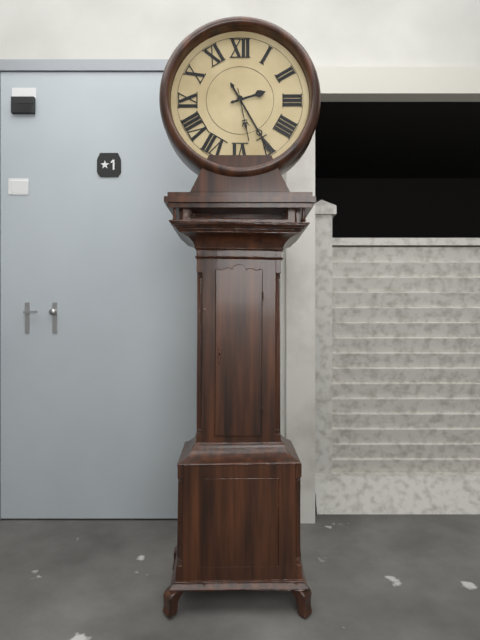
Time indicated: 2:25
